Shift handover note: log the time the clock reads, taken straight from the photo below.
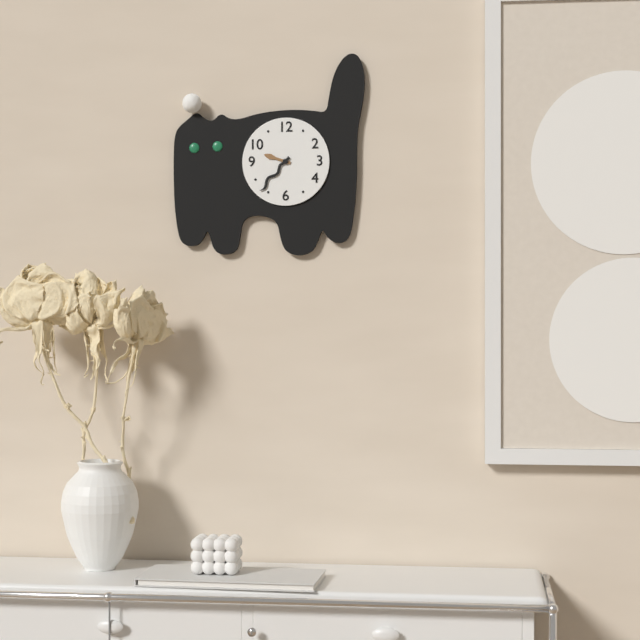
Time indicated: 9:37
